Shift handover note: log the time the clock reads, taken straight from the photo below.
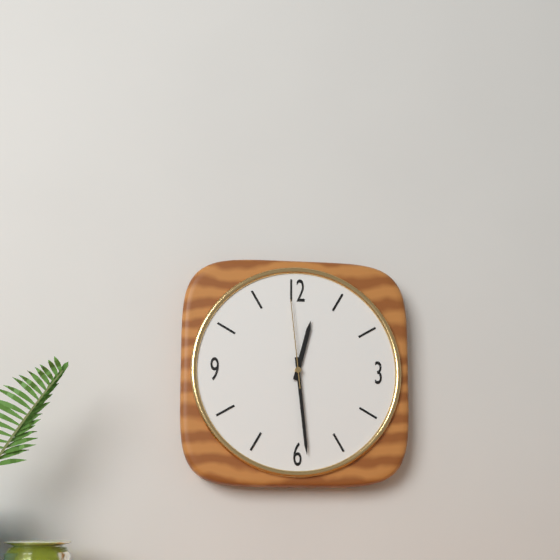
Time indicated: 12:29:59
